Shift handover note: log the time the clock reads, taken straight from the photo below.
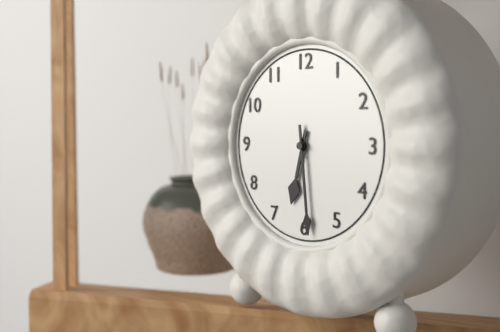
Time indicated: 6:29
